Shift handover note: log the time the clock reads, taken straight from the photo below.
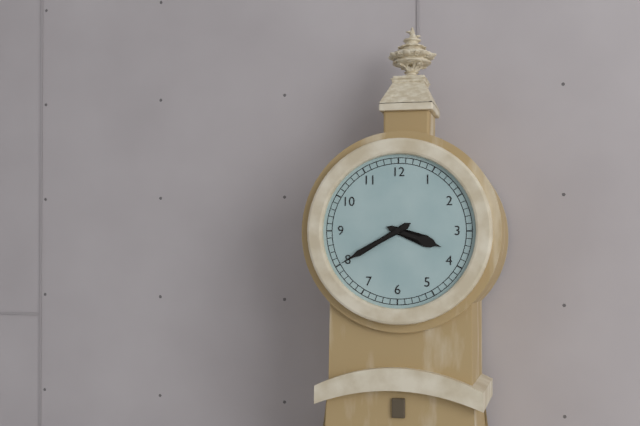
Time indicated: 3:40
